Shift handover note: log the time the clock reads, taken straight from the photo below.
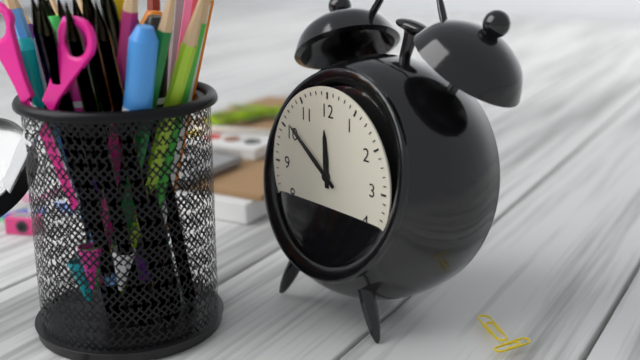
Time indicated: 11:51
